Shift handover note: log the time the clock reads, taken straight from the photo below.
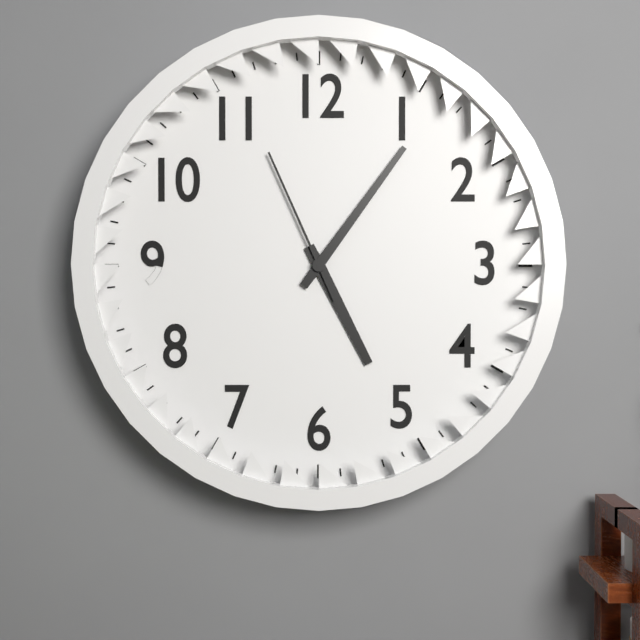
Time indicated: 5:06:56
